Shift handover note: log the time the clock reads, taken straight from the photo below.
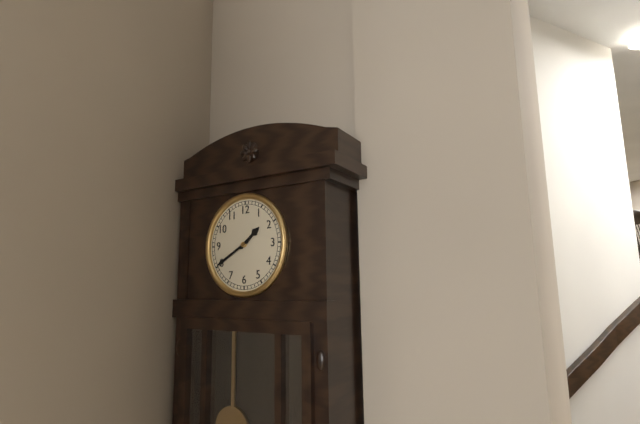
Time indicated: 1:40
